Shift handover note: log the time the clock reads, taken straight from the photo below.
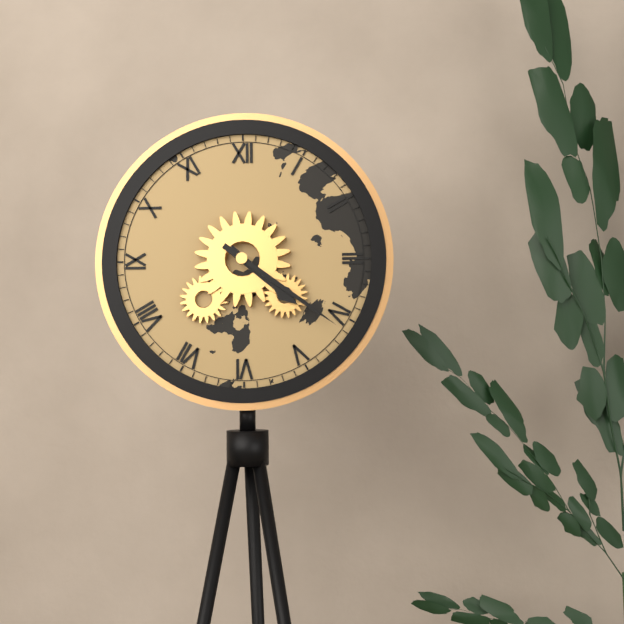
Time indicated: 4:21
